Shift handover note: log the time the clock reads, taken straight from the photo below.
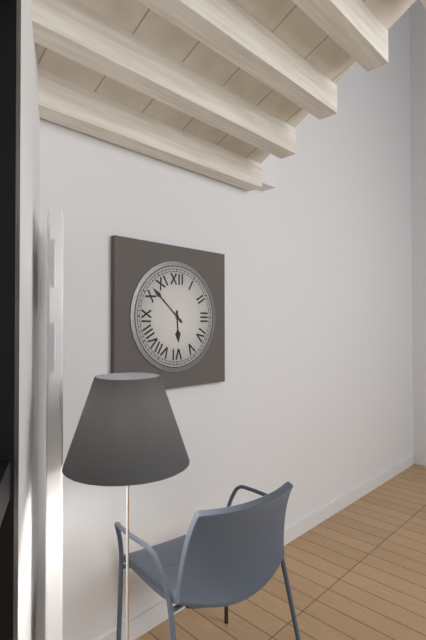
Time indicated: 5:52
